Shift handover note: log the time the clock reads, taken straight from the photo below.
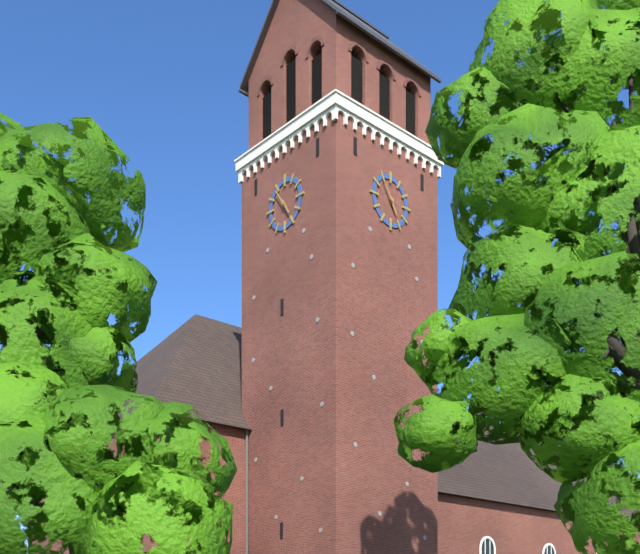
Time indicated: 4:54
